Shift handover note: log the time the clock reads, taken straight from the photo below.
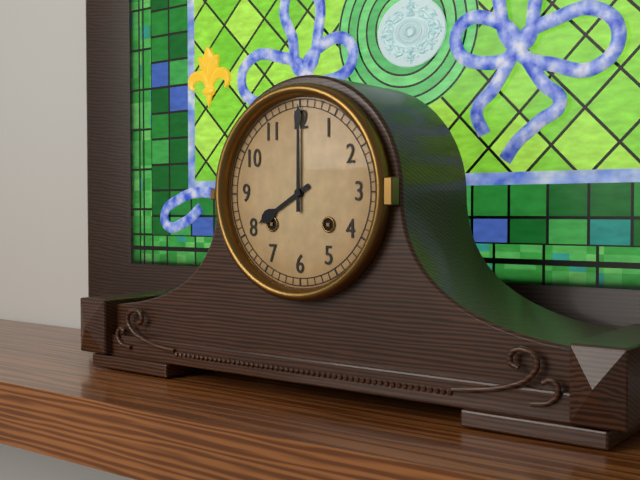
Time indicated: 8:00
